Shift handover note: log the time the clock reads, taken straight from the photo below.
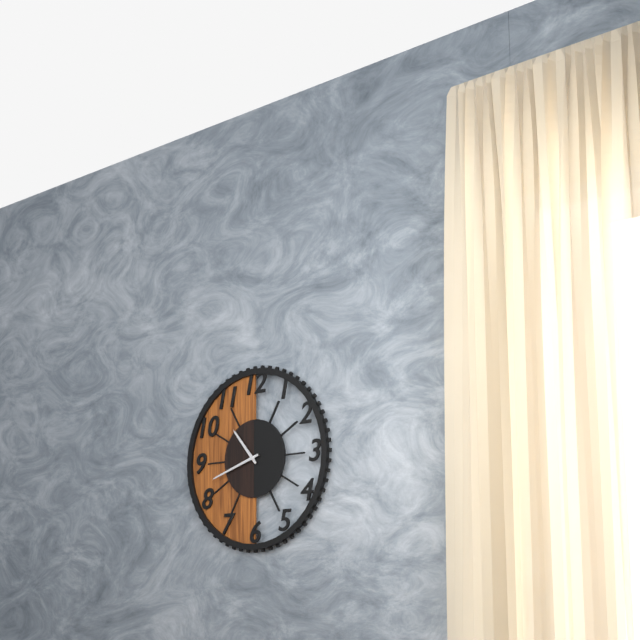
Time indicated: 10:42
